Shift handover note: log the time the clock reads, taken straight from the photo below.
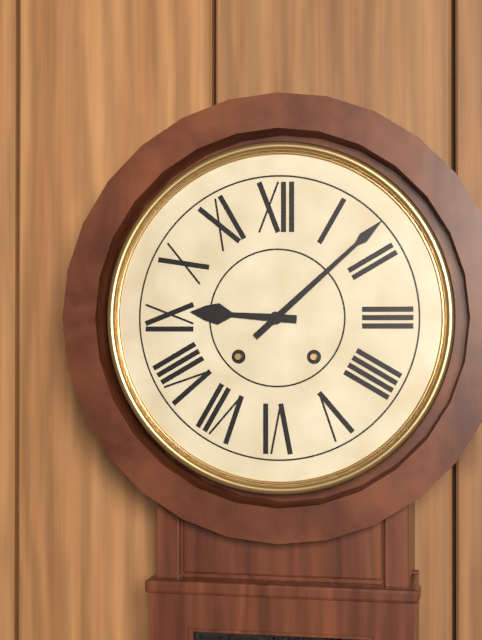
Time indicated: 9:08
